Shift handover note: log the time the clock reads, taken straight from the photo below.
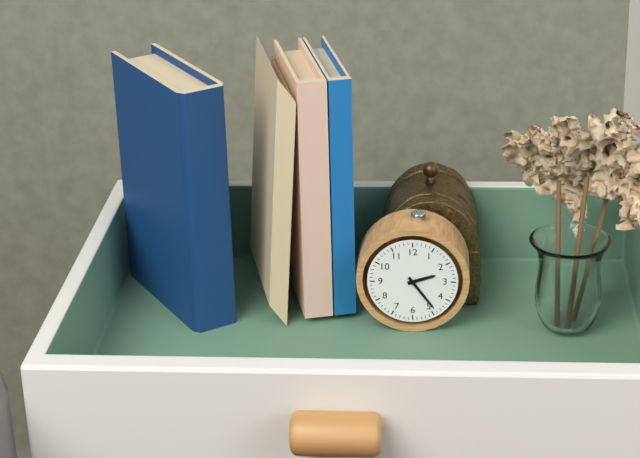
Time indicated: 2:24
